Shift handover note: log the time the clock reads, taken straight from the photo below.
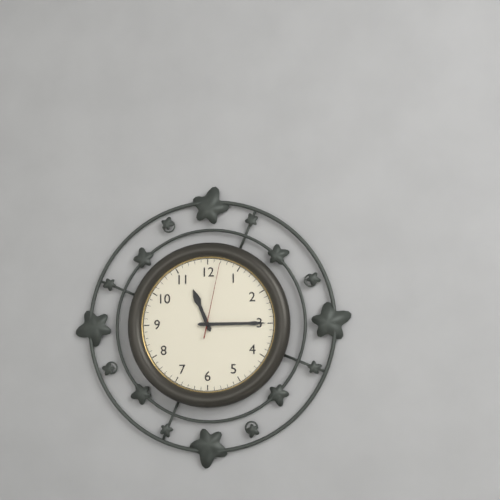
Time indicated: 11:15:02
